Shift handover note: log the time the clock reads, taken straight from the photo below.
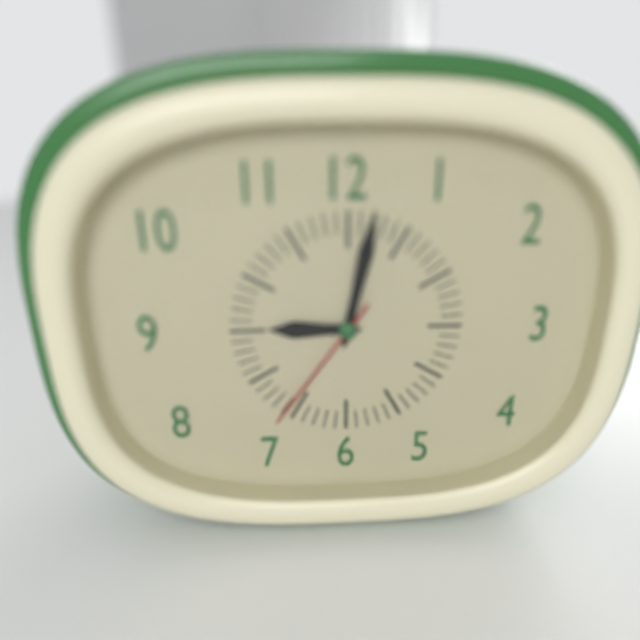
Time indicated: 9:02:36
